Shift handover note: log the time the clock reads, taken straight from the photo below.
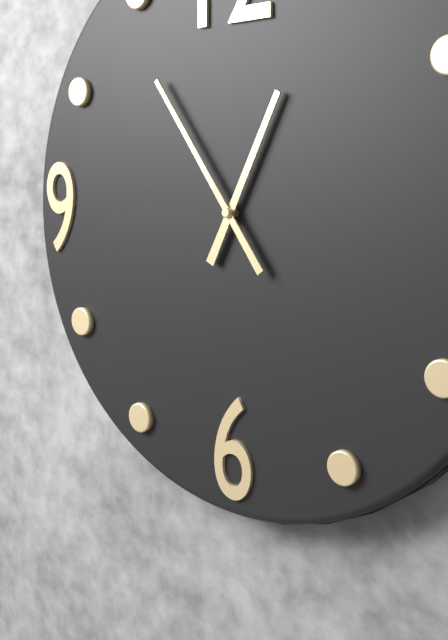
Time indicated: 12:54
